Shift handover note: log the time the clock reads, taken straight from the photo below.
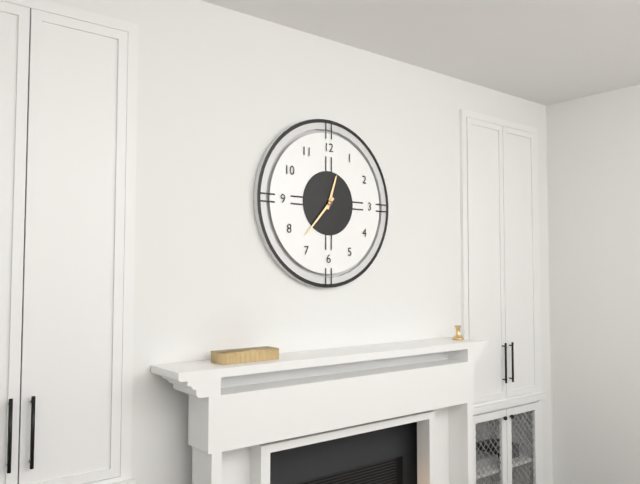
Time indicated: 12:37
